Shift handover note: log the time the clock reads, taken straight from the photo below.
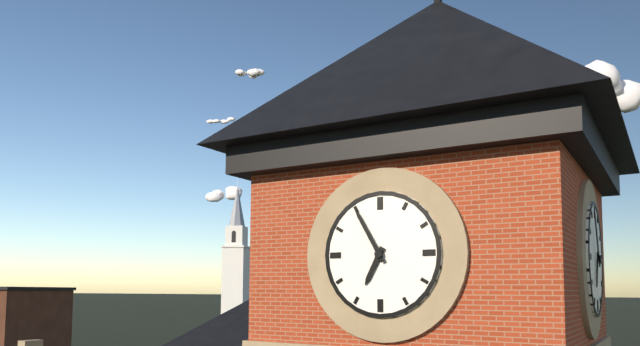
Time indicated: 6:55
